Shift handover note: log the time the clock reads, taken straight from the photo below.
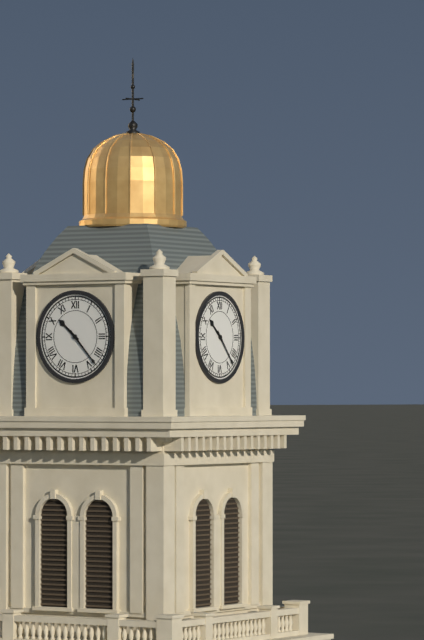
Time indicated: 10:23
